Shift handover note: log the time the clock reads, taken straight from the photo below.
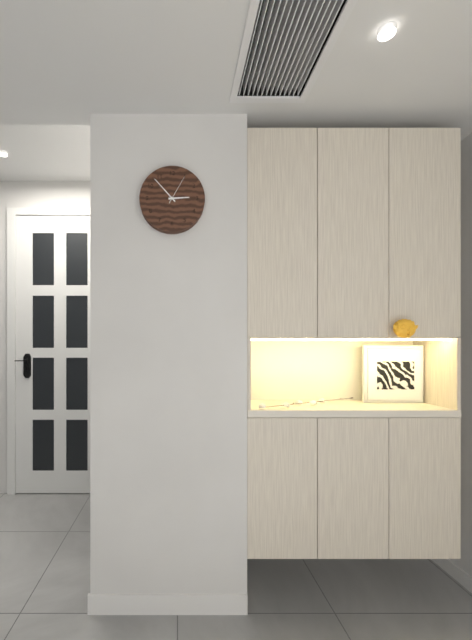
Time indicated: 2:53
